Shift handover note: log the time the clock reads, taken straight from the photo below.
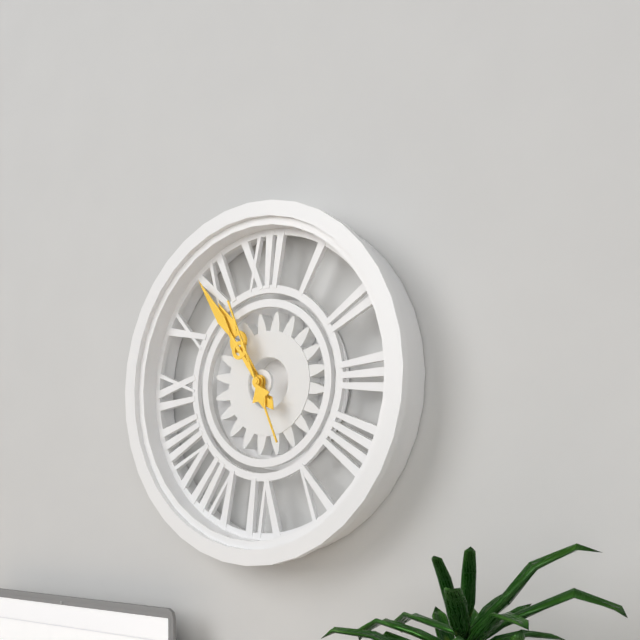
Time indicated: 10:54:56
